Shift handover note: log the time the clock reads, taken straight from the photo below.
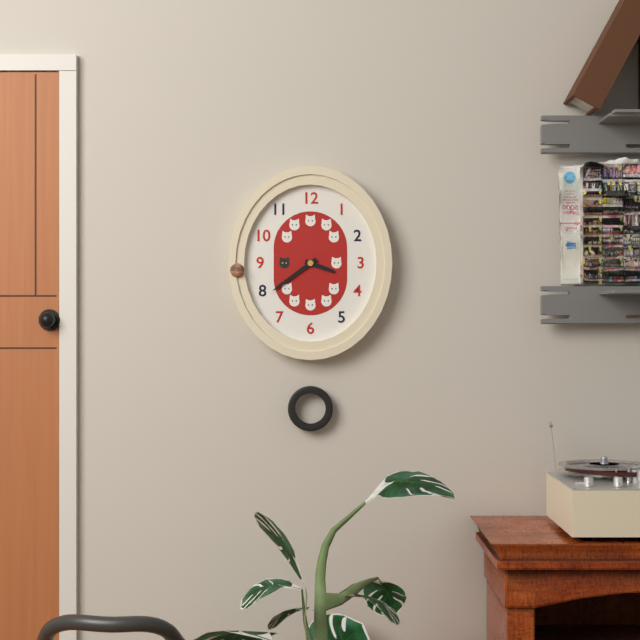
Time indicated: 3:39
